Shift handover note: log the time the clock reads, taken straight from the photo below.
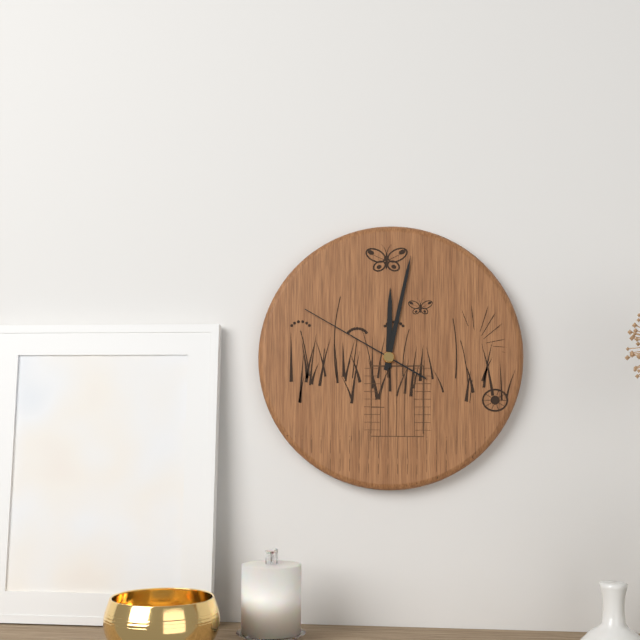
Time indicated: 12:02:50
